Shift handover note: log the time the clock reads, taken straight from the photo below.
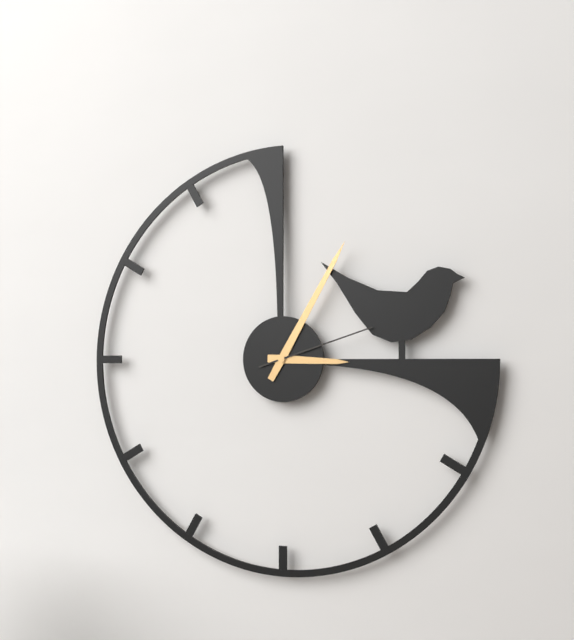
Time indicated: 3:05:12
